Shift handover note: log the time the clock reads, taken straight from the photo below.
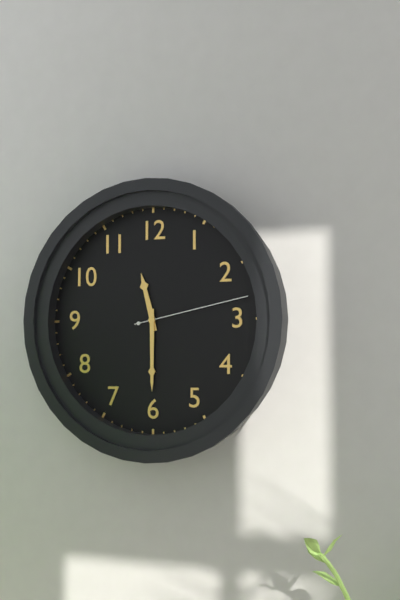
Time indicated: 11:30:13
